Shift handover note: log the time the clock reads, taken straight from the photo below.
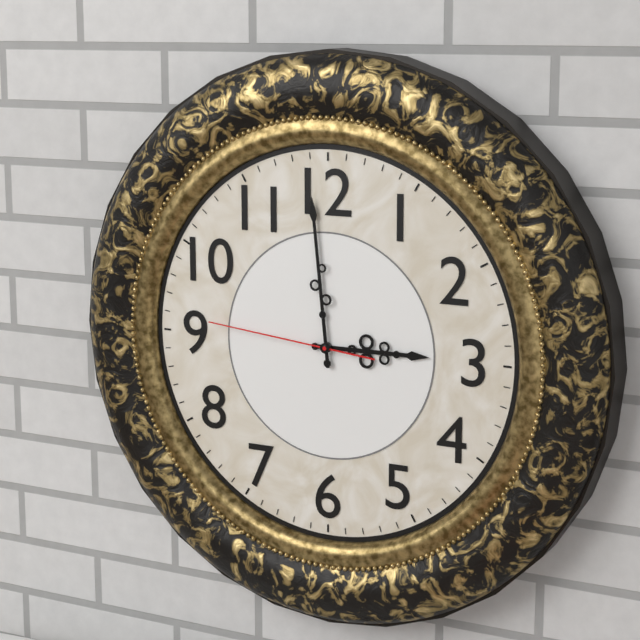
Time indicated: 2:59:46
